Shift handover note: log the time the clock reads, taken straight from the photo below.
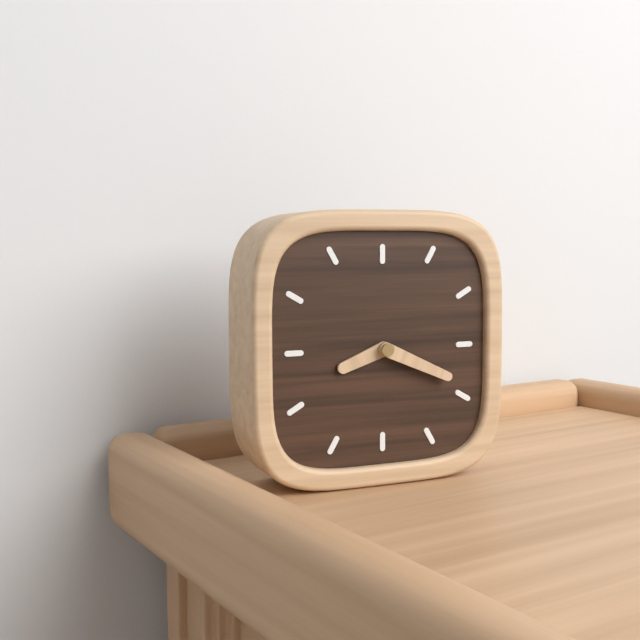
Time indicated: 8:19
